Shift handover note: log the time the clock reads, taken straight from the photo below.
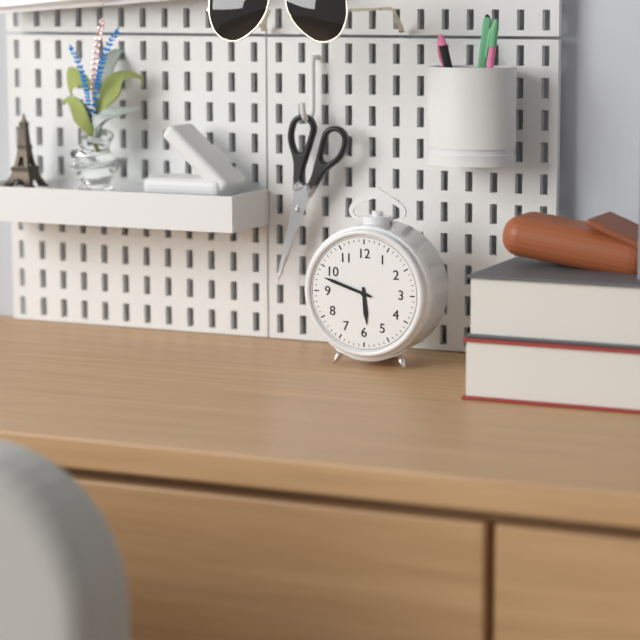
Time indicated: 5:48
